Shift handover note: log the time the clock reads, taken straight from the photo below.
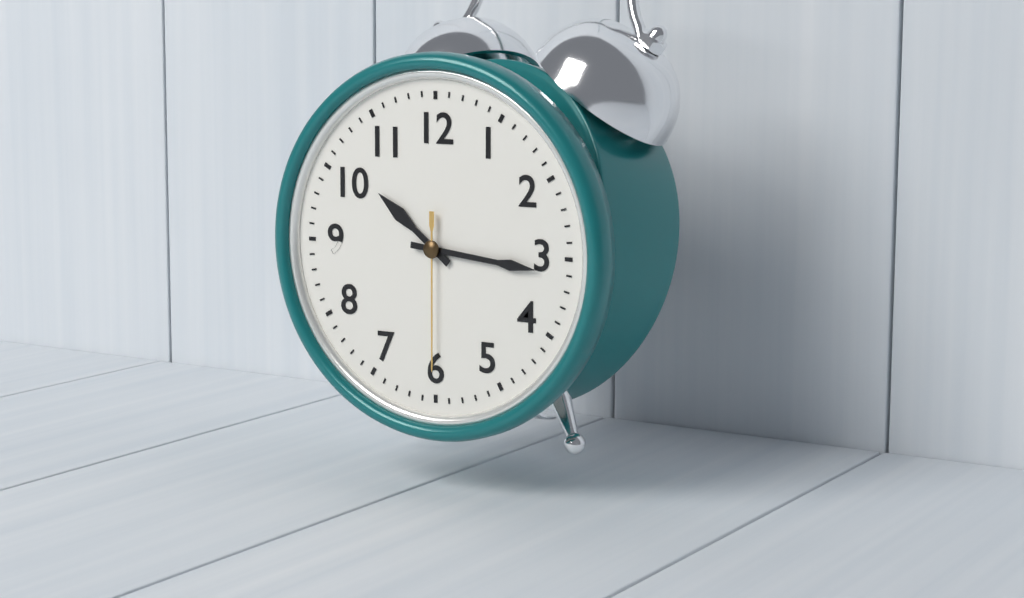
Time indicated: 10:16:30
